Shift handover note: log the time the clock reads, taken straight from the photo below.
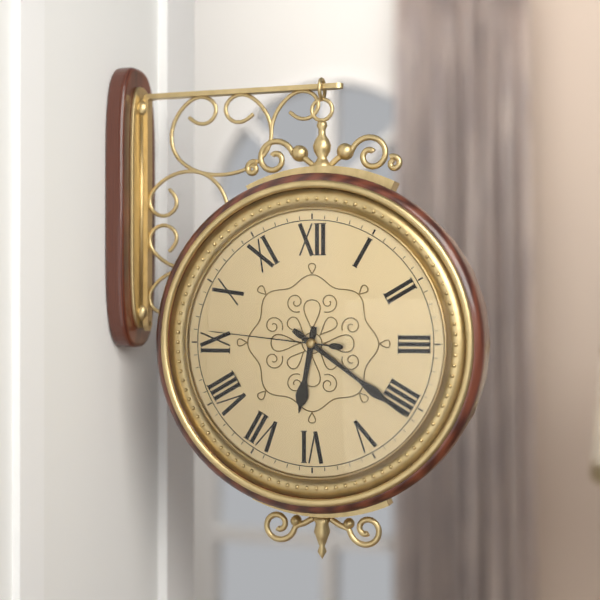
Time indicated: 6:21:46
